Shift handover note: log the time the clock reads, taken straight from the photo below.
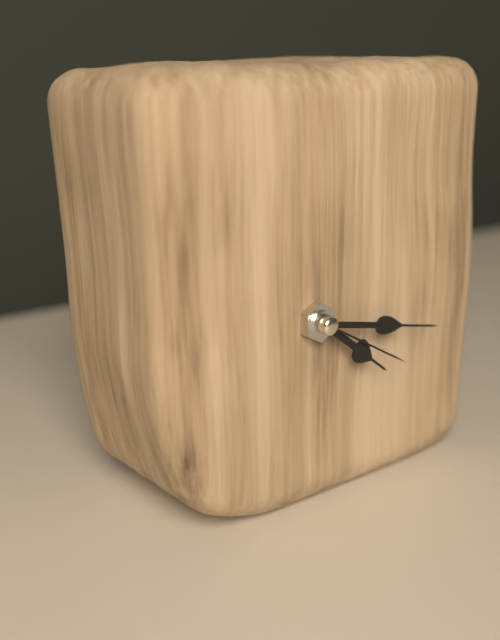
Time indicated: 4:17:20
